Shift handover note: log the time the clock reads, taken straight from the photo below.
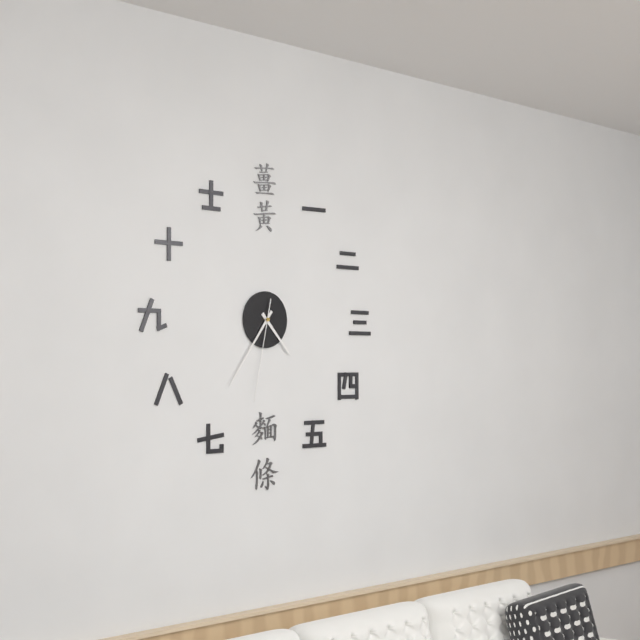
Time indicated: 4:36:32
